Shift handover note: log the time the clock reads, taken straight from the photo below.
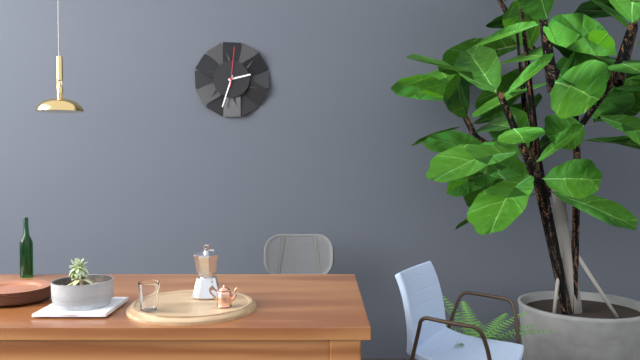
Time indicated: 2:33
